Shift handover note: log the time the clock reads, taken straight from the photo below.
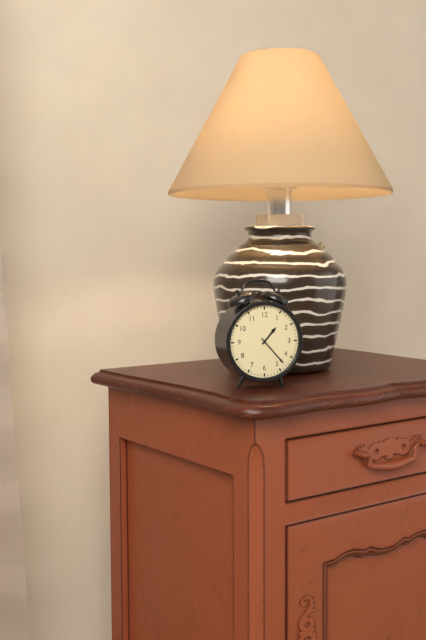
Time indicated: 1:23
